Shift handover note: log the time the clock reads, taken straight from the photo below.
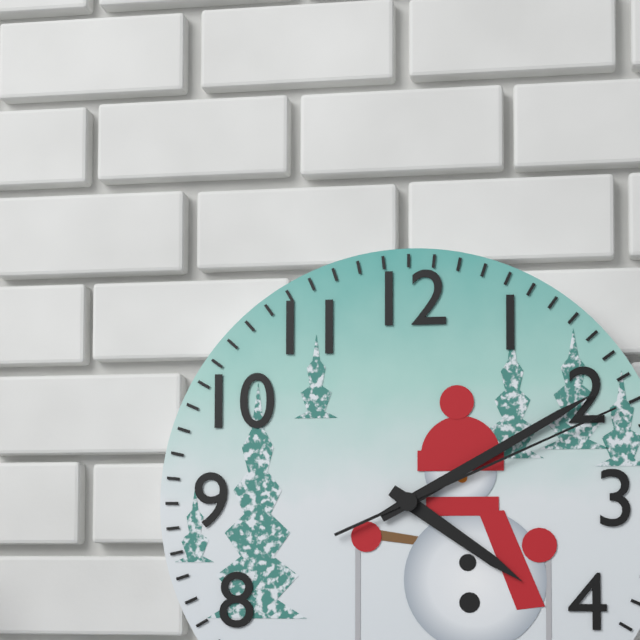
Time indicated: 4:10:11
